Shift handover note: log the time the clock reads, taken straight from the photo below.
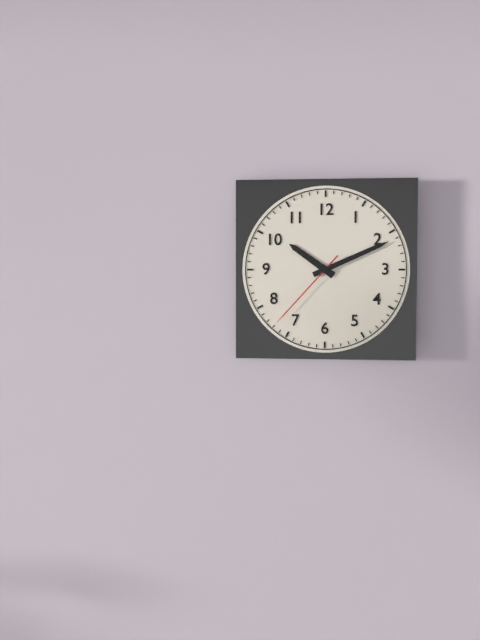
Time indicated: 10:11:37
